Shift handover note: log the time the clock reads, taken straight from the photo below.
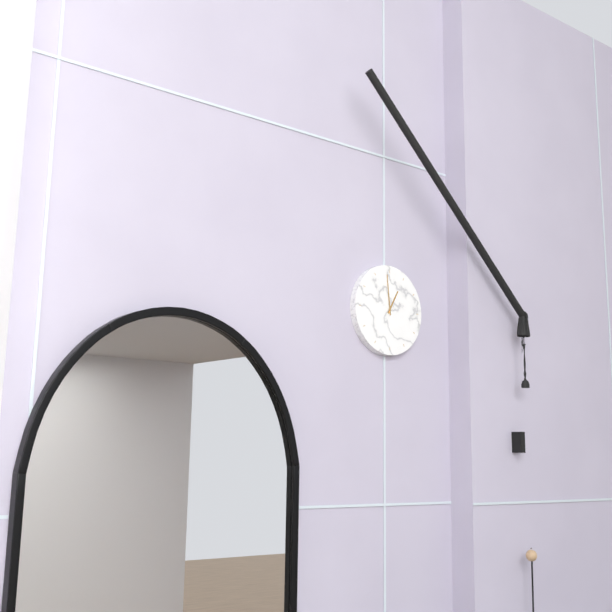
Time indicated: 12:59
